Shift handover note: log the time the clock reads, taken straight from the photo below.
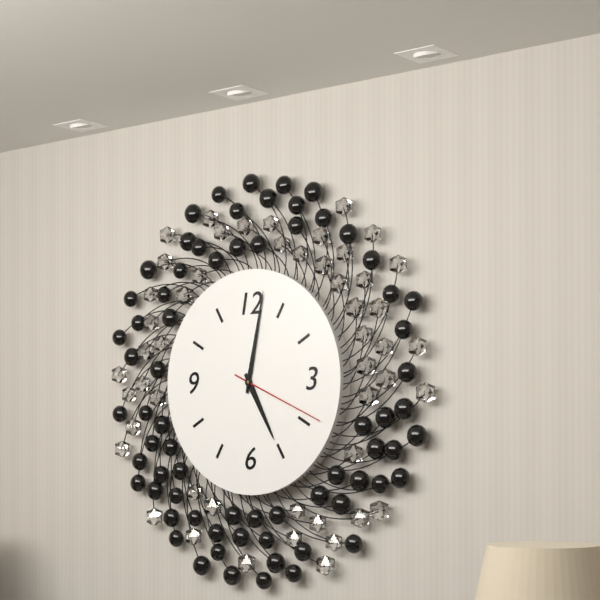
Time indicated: 5:02:19
